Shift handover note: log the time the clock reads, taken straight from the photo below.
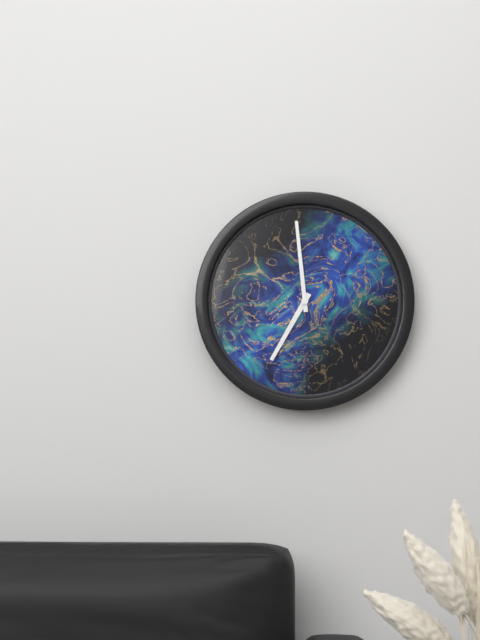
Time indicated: 6:59
